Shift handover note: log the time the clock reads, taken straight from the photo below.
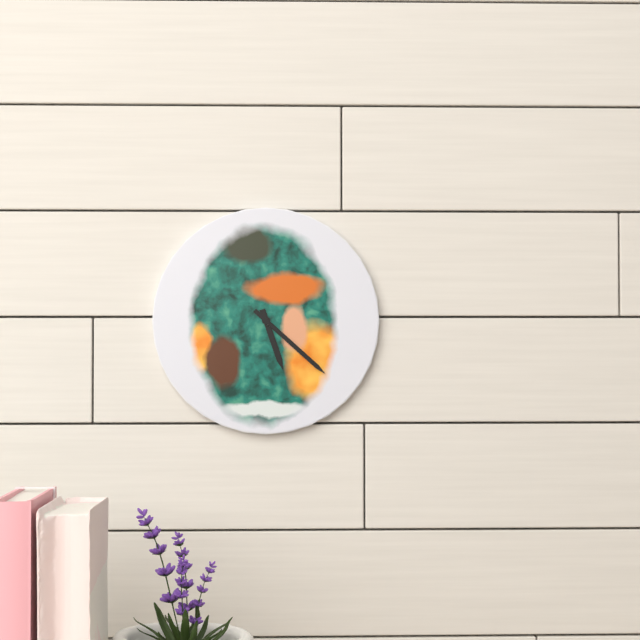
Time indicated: 5:22
